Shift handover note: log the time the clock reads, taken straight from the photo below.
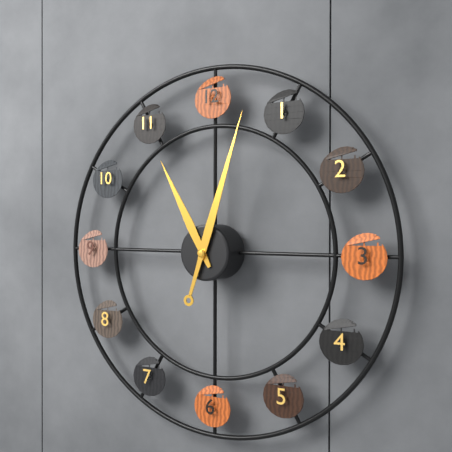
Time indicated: 11:03
